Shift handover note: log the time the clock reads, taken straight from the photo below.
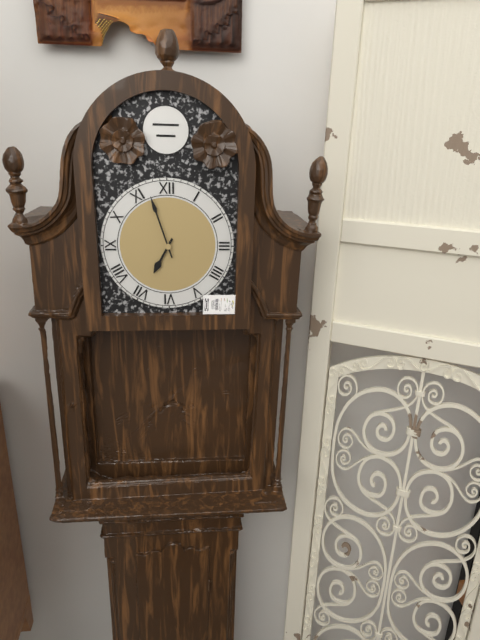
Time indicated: 6:57
